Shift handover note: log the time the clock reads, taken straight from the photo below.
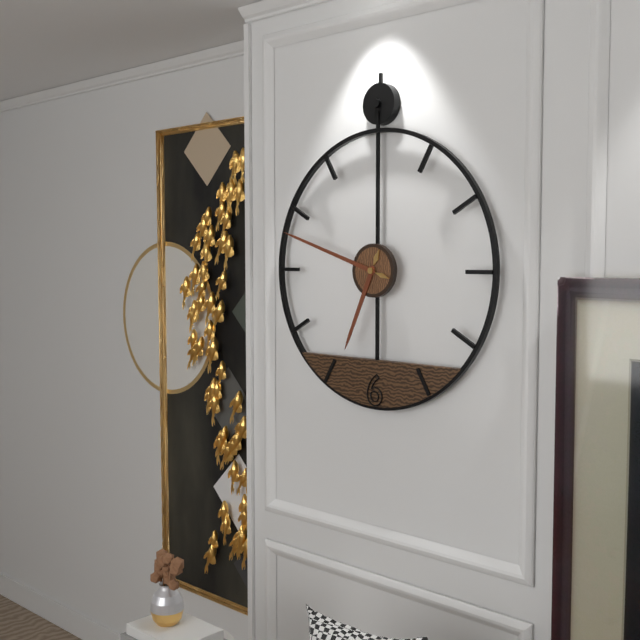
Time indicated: 6:48
